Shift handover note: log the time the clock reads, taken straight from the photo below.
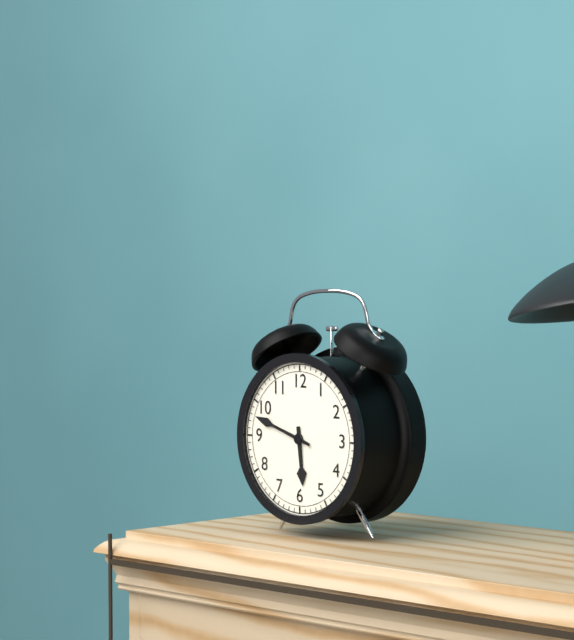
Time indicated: 5:48
